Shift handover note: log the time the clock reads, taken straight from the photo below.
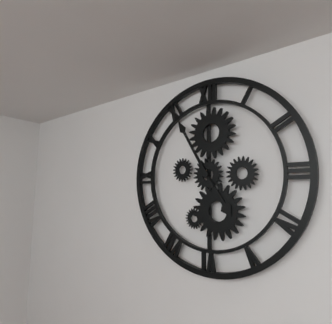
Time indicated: 4:55
